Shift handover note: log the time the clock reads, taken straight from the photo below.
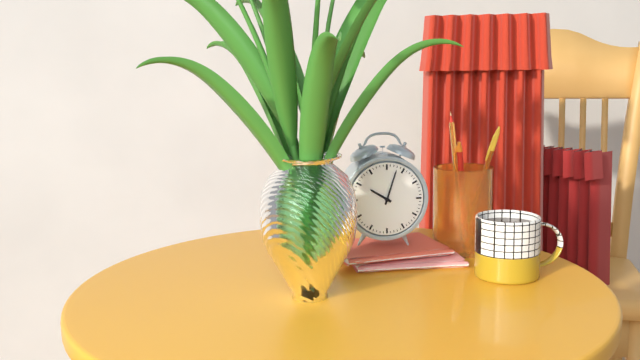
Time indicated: 10:03
